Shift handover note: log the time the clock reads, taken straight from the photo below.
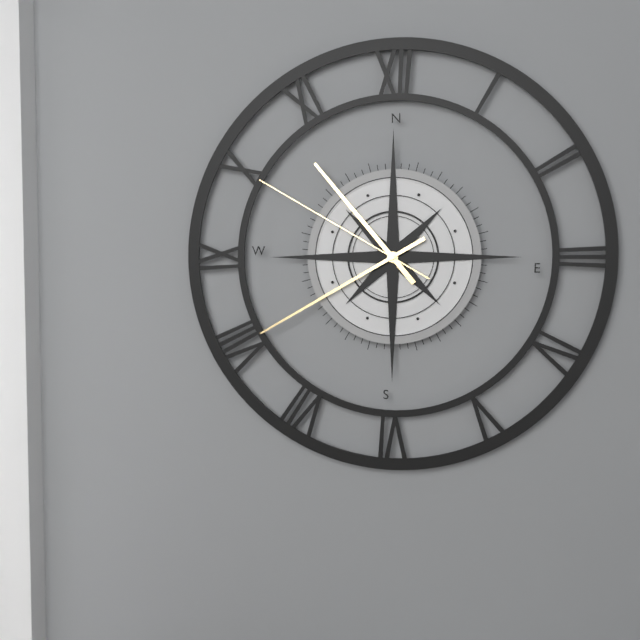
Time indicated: 10:40:50
